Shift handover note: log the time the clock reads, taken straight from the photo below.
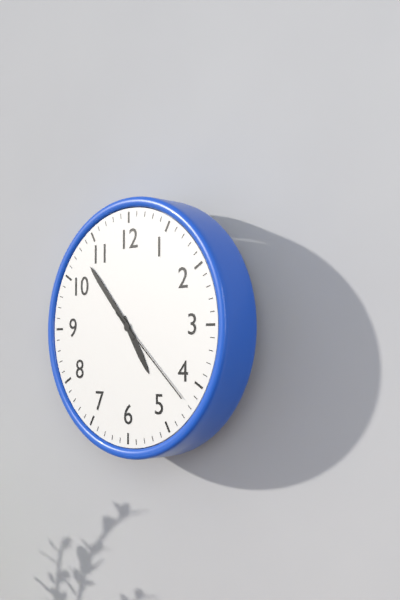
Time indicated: 4:53:22
